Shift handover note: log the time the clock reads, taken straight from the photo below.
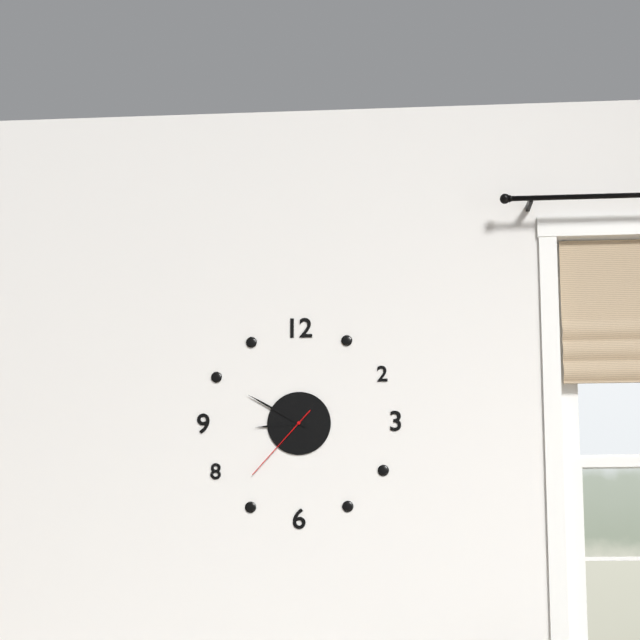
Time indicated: 8:50:37
